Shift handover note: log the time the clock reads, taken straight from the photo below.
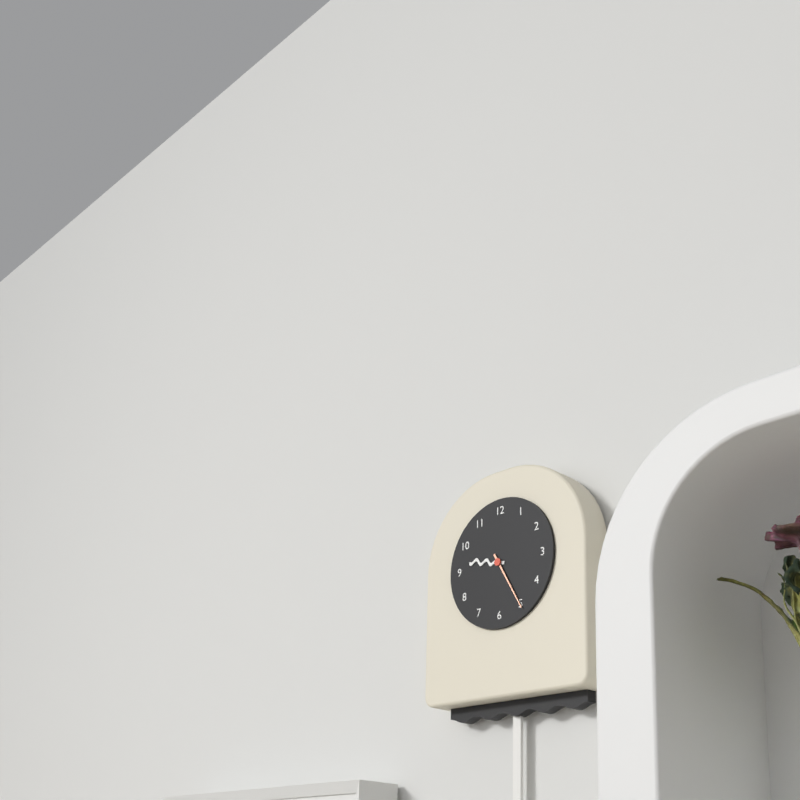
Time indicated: 9:25
